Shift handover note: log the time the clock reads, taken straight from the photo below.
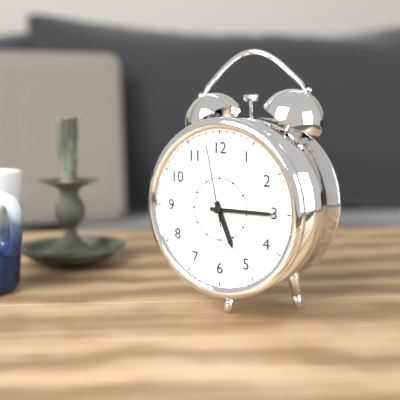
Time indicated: 5:15:58
